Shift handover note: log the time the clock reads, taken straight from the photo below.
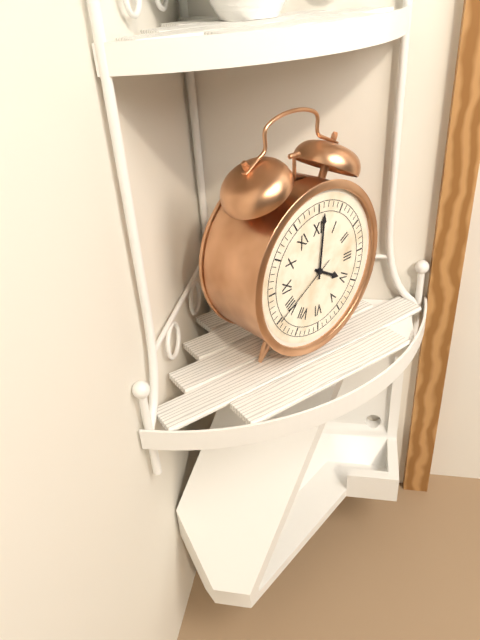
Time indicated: 4:01:40
